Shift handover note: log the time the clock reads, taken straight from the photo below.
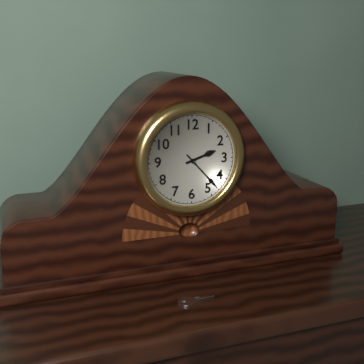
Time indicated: 2:23
